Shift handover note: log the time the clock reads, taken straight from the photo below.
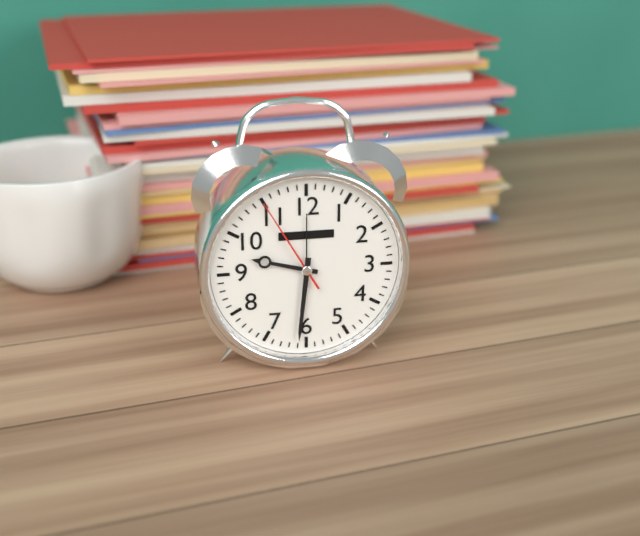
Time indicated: 9:31:55
